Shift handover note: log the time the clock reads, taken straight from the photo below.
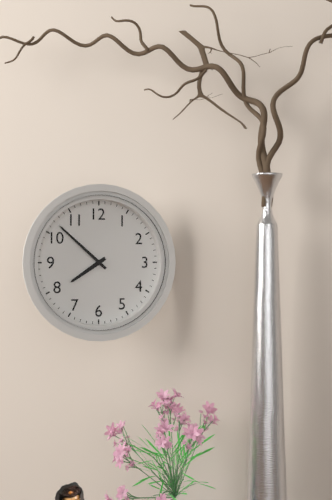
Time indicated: 7:52
